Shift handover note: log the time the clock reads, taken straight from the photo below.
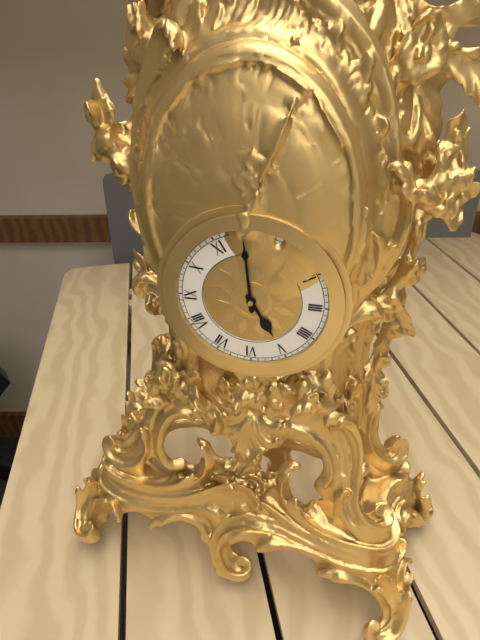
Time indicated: 4:59
